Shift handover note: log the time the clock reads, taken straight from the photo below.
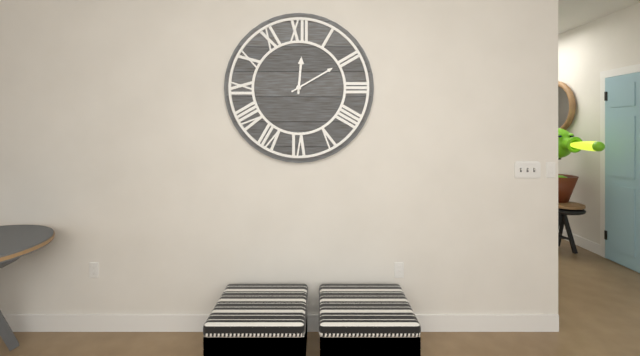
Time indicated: 12:10
